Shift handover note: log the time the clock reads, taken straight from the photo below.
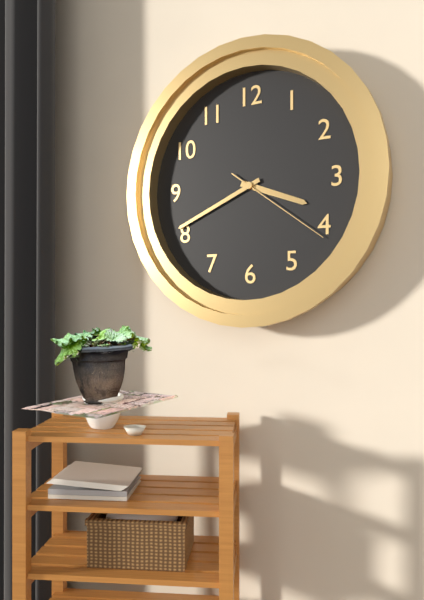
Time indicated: 3:41:21
